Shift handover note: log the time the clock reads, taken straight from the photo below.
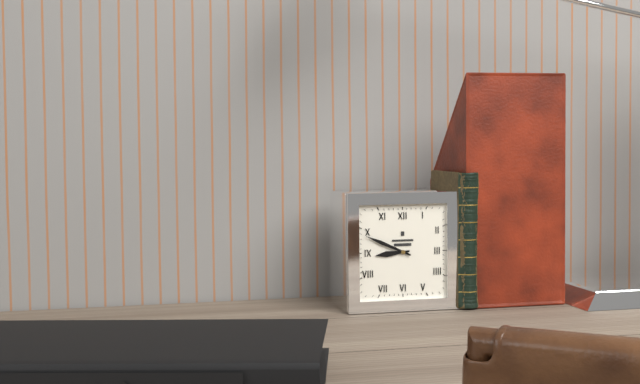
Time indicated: 8:49
